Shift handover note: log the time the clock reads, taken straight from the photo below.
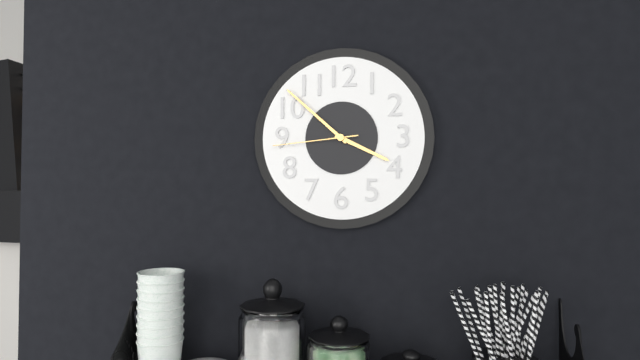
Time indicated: 3:52:44
